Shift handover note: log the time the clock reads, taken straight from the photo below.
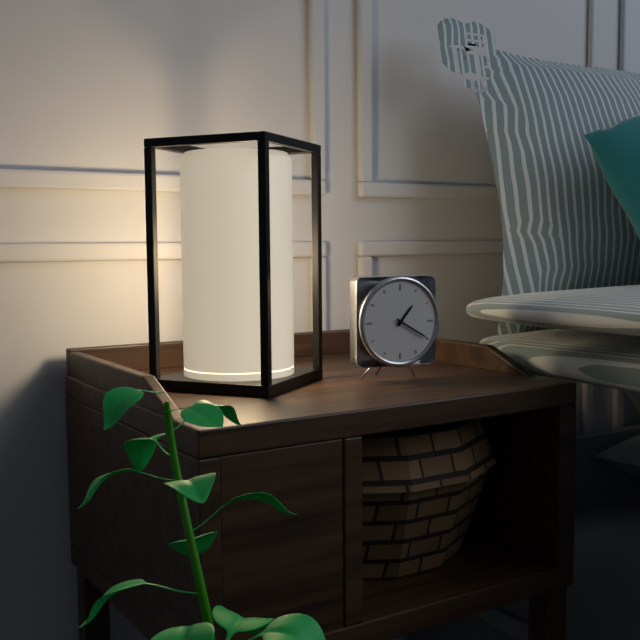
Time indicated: 1:20
